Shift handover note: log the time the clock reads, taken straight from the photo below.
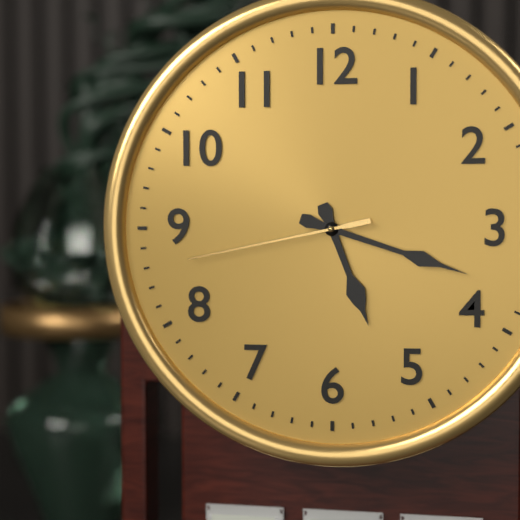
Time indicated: 5:18:43
